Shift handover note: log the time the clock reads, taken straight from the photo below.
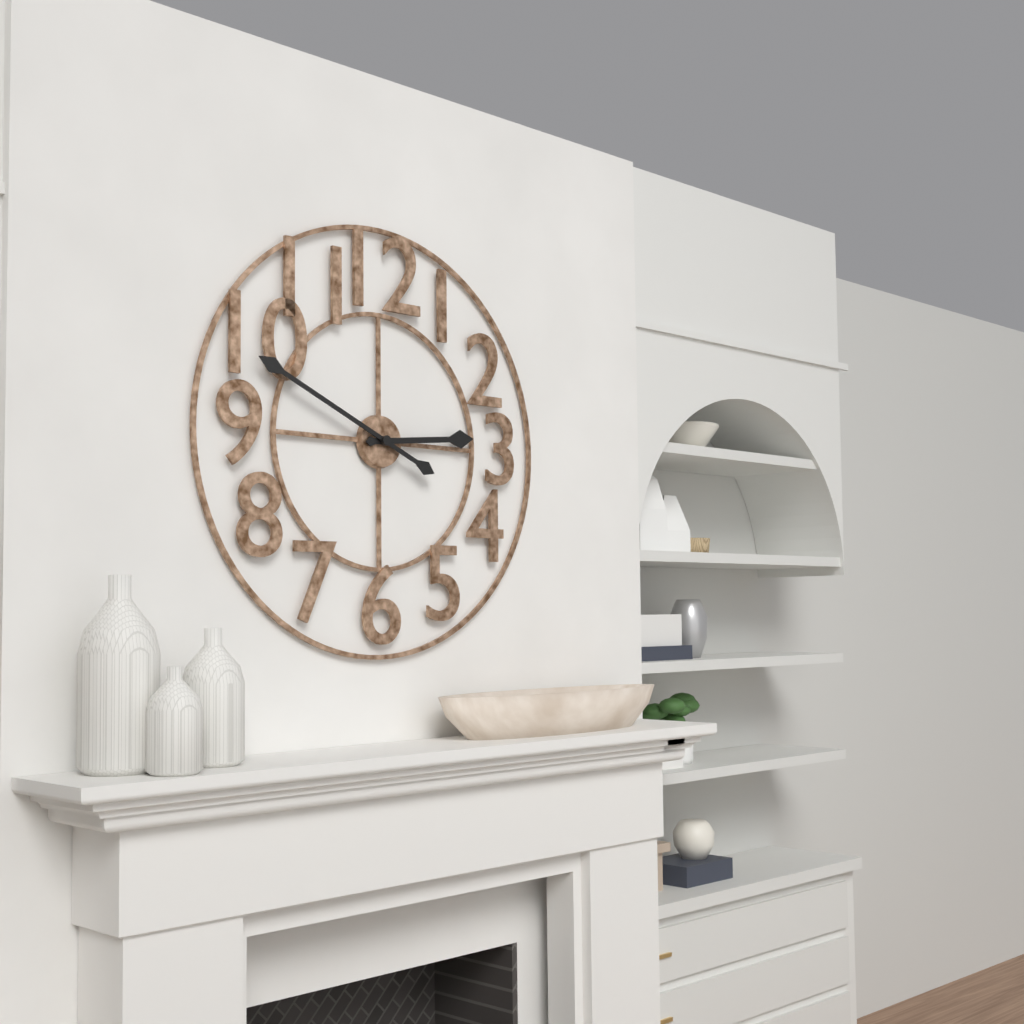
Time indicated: 2:49
